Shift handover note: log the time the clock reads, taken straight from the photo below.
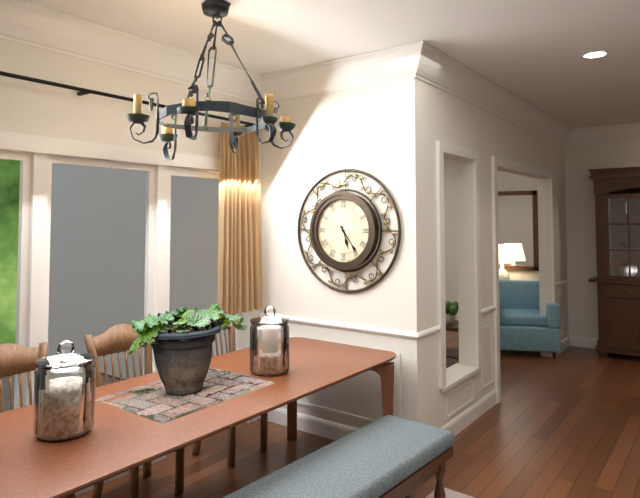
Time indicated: 5:24
